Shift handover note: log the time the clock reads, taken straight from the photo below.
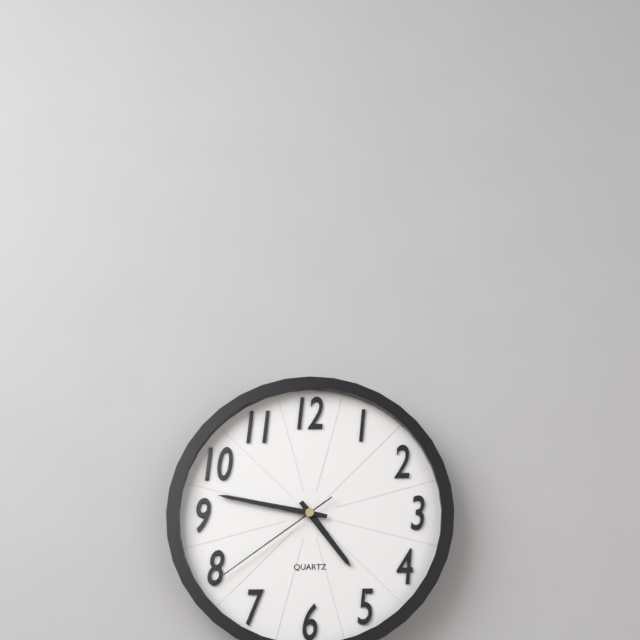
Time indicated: 4:47:39
